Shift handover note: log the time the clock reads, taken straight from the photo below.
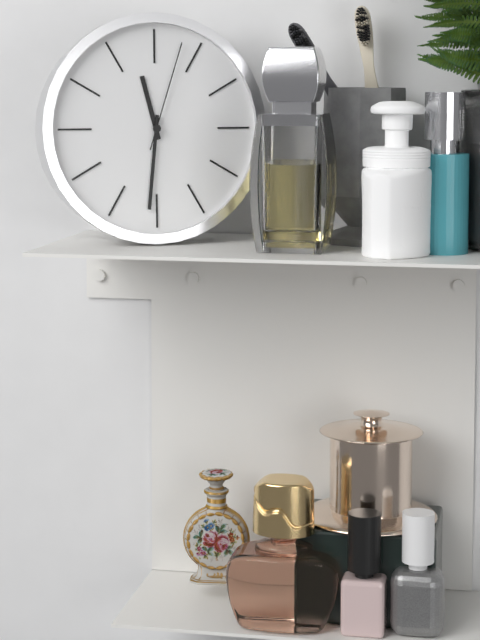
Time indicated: 11:31:03
